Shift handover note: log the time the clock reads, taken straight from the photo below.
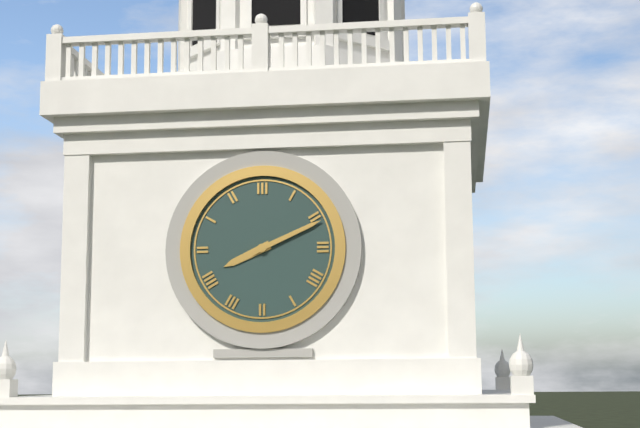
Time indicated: 8:11
